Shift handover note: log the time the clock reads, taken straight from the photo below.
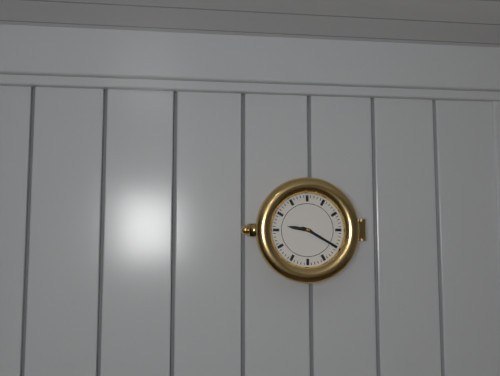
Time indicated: 9:20
